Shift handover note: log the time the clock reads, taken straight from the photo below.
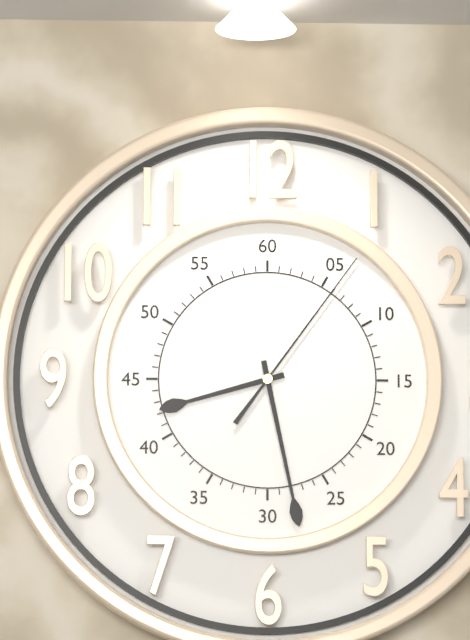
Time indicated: 8:28:06
